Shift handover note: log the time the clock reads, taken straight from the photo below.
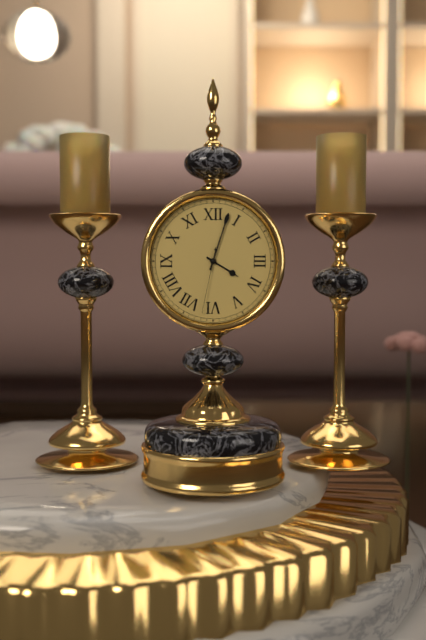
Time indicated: 4:03:32
